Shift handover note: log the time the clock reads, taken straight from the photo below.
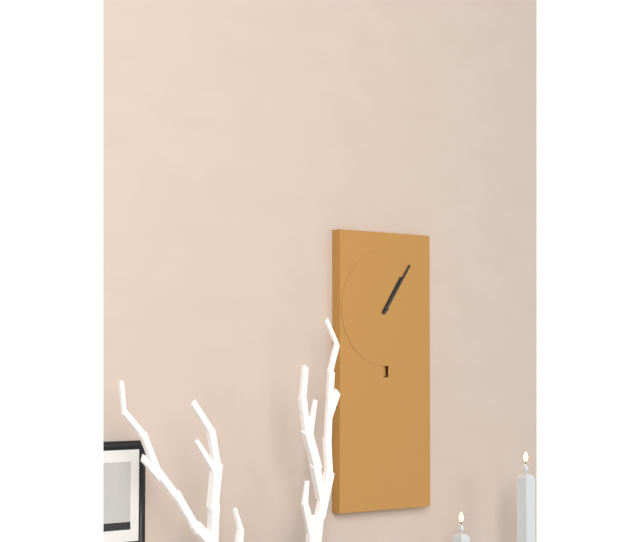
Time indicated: 1:06
